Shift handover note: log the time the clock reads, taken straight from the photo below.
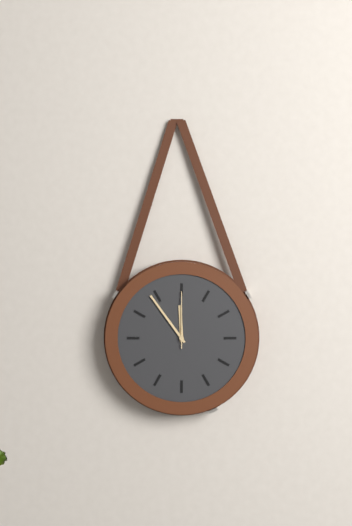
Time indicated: 11:54:00
